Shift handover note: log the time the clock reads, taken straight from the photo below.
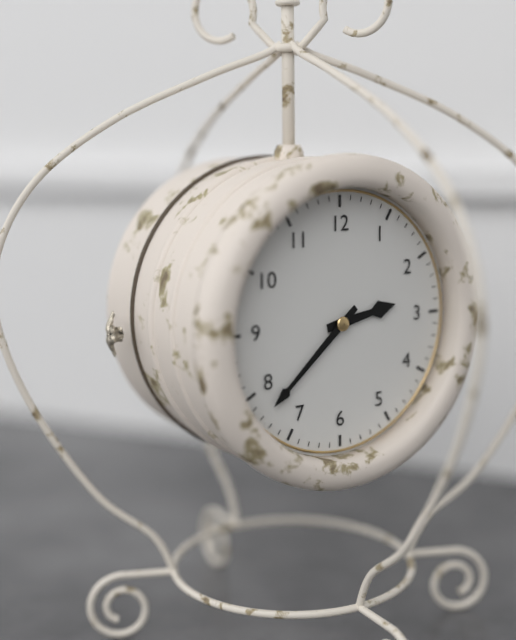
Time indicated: 2:38
